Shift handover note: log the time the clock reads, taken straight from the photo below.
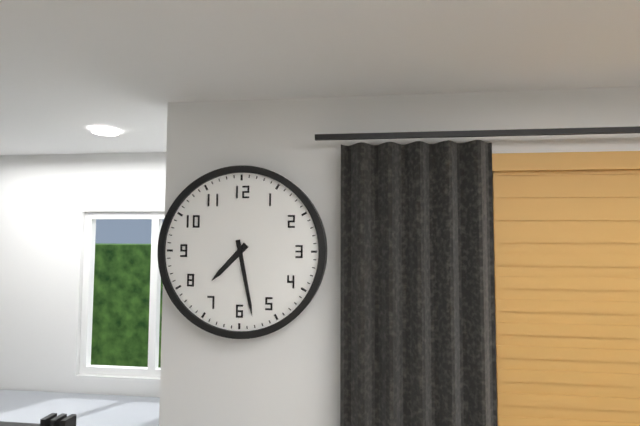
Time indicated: 7:28
